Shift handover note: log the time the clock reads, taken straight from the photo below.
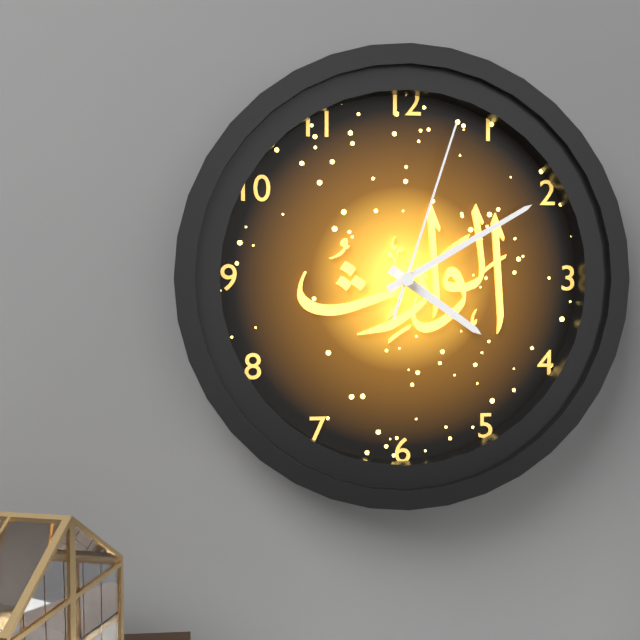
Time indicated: 4:10:03
